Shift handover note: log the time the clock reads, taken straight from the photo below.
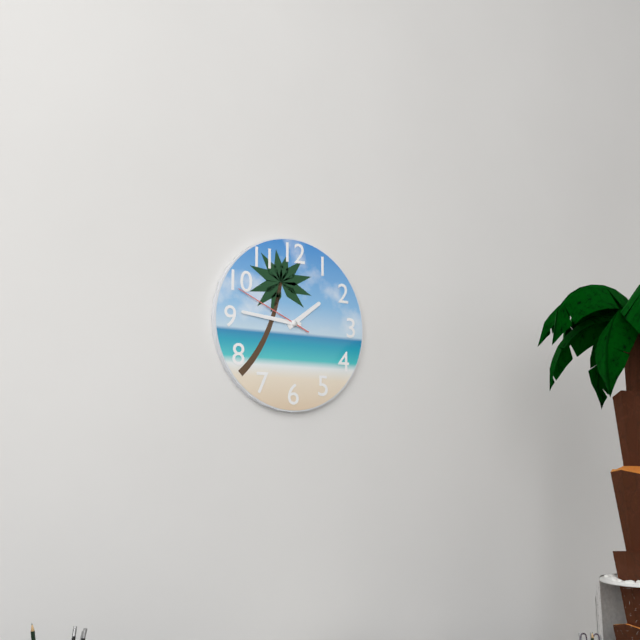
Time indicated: 1:46:49
